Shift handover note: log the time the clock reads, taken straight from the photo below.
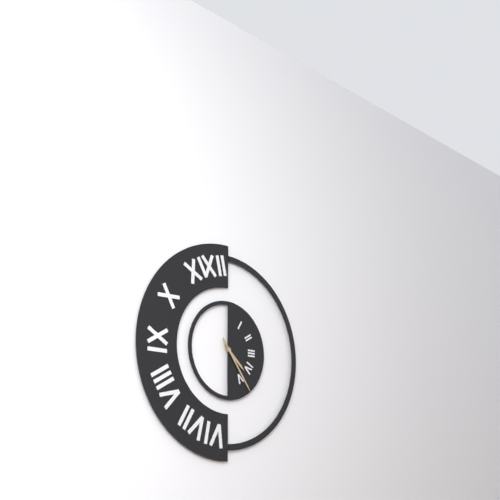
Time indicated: 4:24
